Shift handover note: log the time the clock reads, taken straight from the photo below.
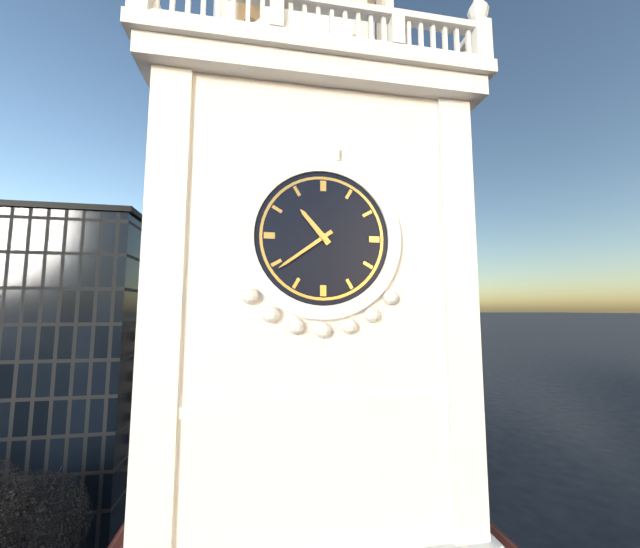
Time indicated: 10:39
